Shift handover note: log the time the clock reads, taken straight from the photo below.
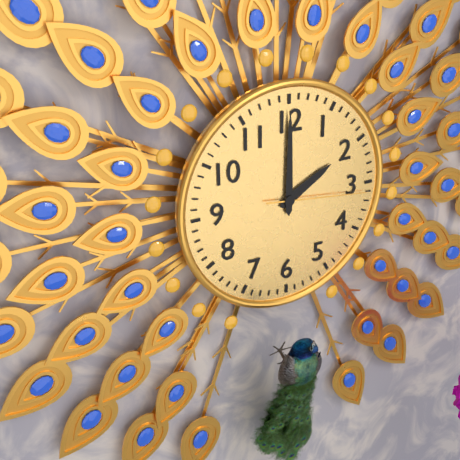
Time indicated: 2:00:16
